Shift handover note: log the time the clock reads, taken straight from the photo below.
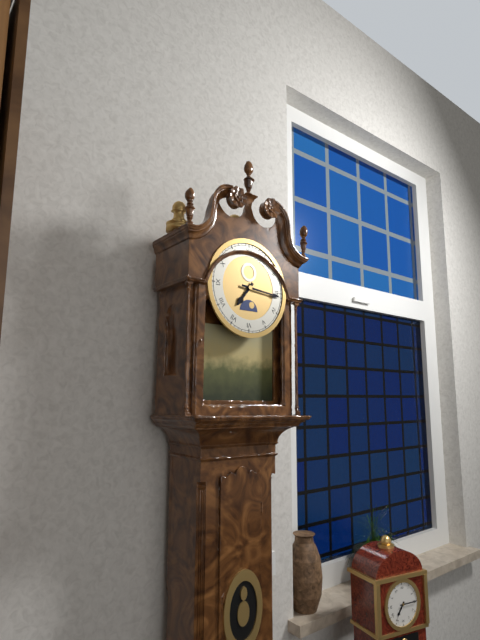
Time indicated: 7:16
